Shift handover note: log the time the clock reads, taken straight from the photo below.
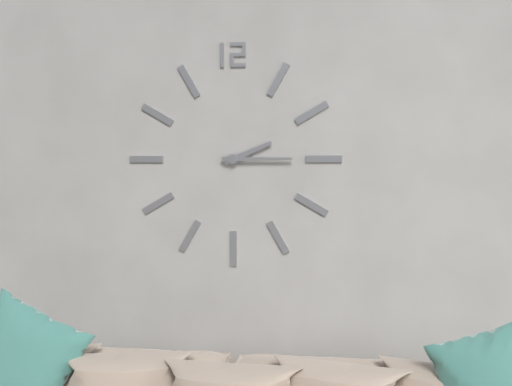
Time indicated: 2:15
